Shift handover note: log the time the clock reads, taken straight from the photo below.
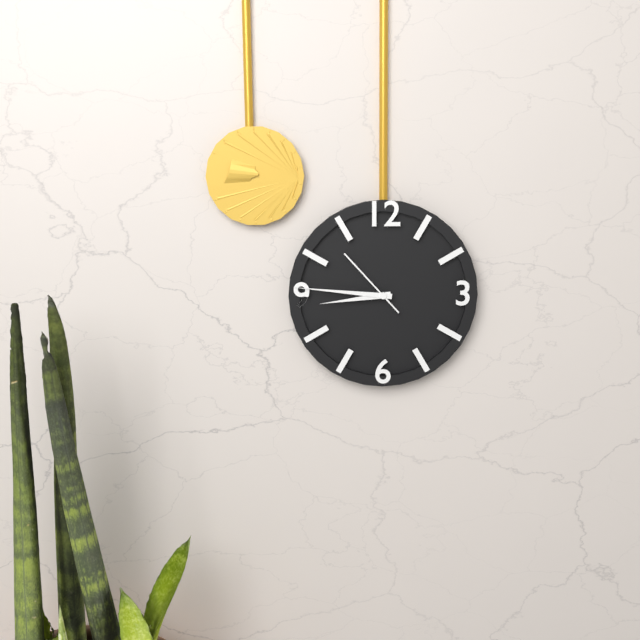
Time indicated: 8:46:53
